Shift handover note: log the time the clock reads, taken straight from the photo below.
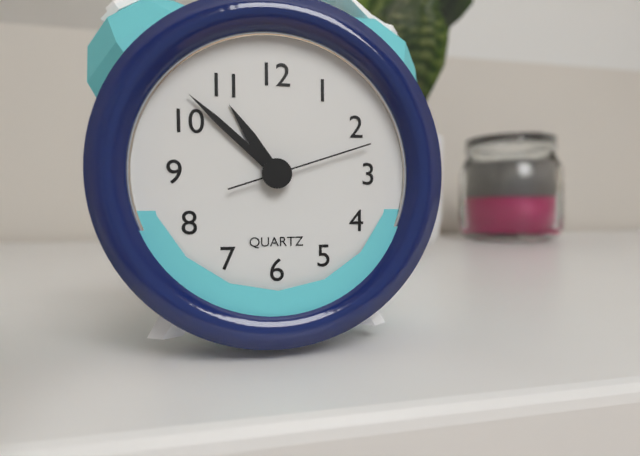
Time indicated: 10:52:12
